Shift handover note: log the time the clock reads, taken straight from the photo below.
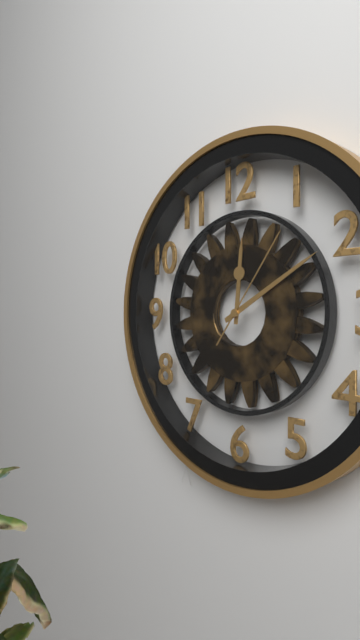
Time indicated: 12:10:06
